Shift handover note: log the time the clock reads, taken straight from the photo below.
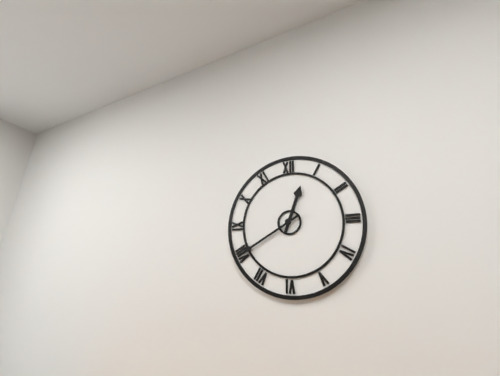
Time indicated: 12:40
